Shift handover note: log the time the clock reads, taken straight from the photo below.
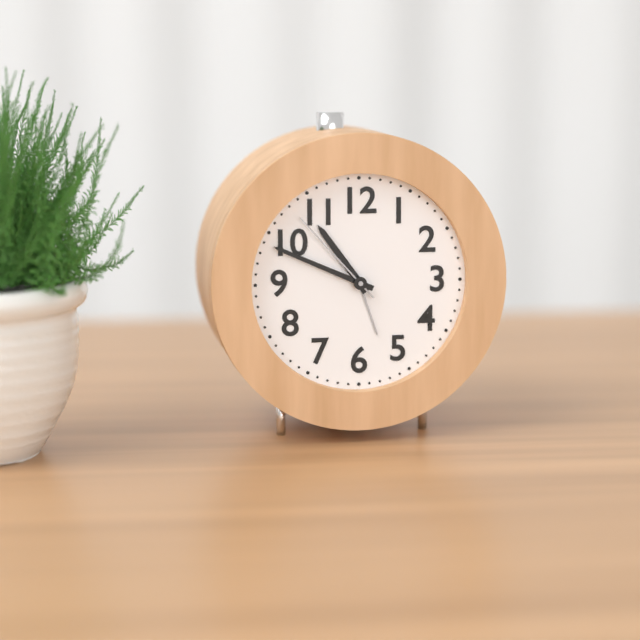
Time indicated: 10:49:53
